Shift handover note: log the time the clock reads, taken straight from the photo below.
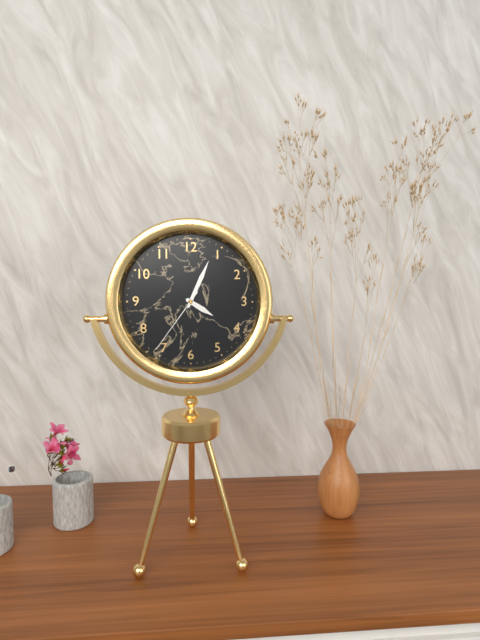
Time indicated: 4:04:36
